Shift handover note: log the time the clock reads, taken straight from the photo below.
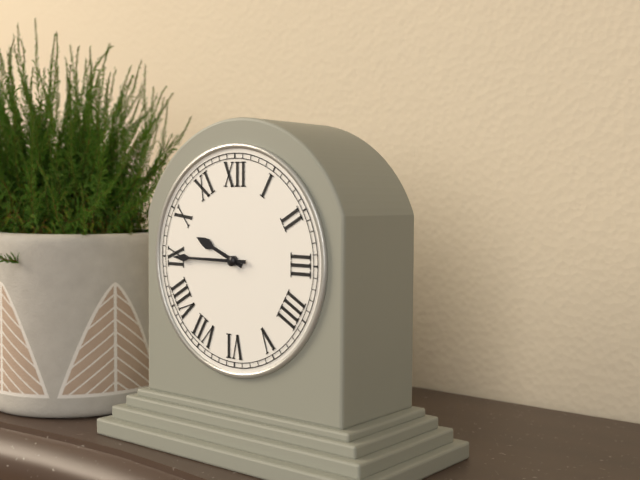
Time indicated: 9:45
